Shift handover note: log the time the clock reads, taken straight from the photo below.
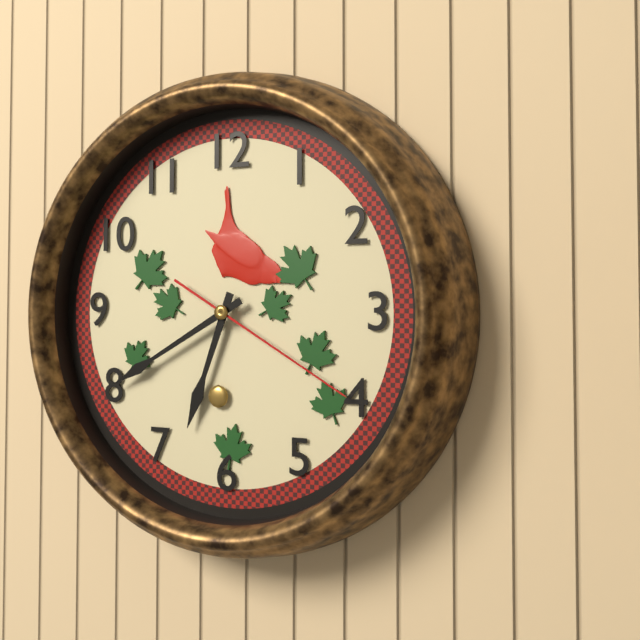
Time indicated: 6:40:20
